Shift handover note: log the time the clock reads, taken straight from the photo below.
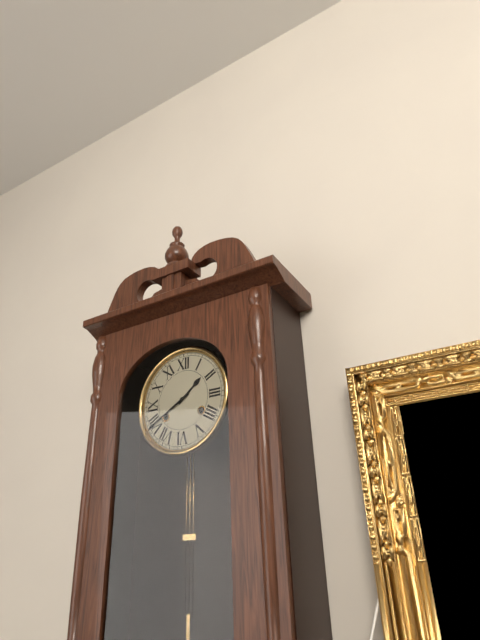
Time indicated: 1:40
